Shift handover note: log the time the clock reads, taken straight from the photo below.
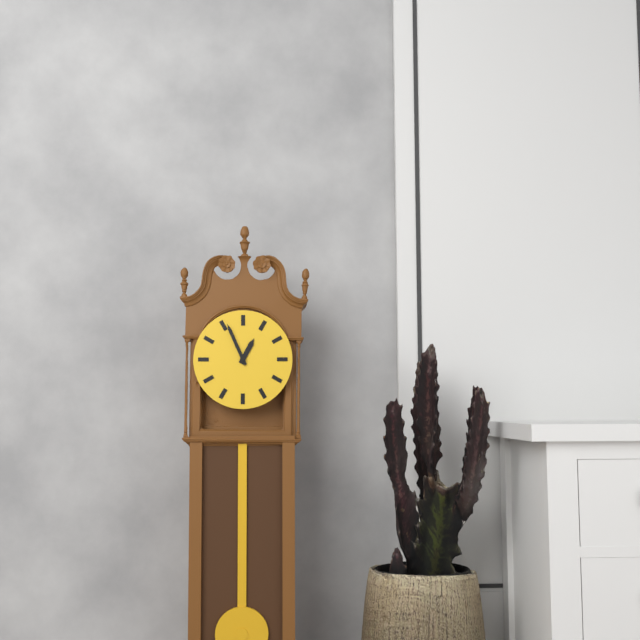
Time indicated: 12:56
